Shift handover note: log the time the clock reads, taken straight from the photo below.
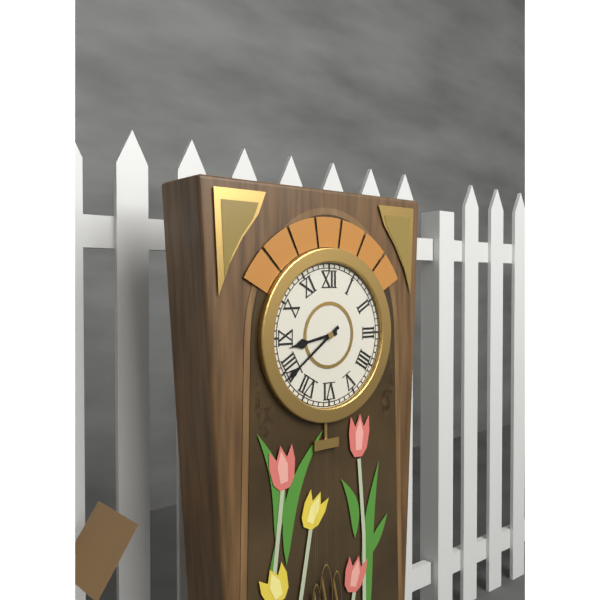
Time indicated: 8:39
